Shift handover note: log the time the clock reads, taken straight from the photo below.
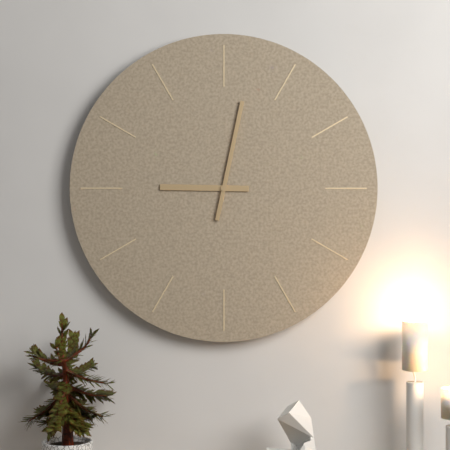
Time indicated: 9:02
